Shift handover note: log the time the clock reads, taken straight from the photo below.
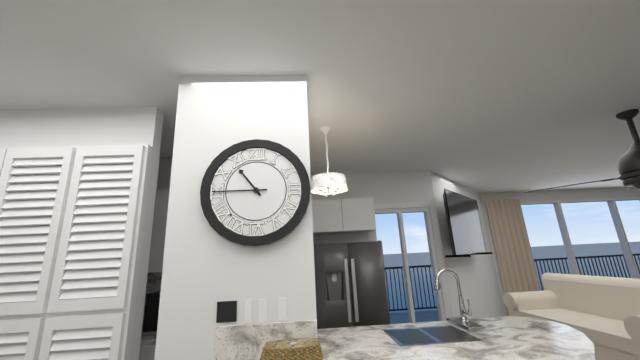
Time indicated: 10:45
